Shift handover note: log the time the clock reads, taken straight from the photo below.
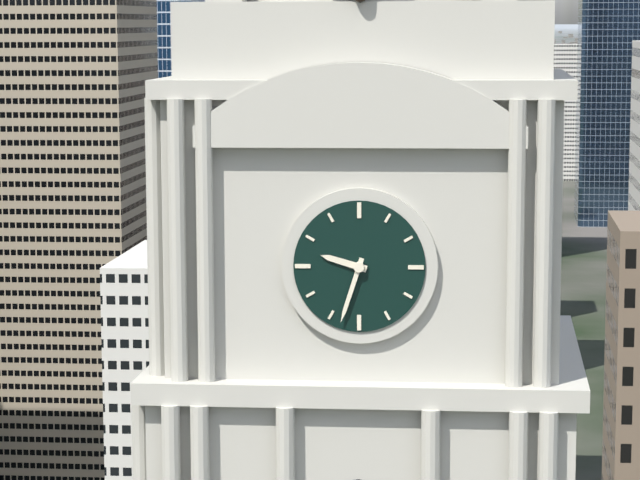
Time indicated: 9:33
